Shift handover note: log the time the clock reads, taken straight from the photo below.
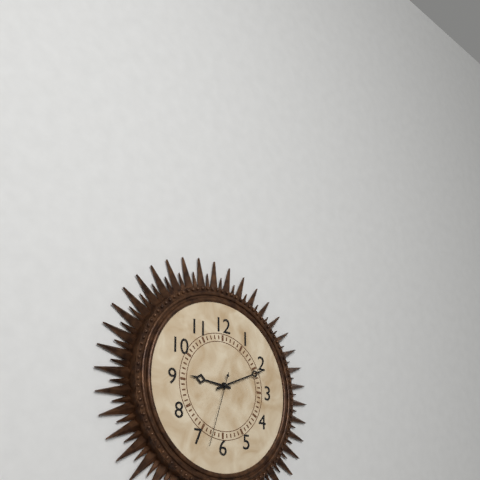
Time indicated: 9:11:33
